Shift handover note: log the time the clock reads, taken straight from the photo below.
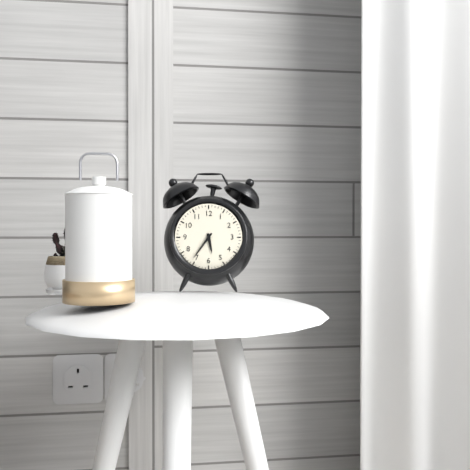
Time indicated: 5:36
